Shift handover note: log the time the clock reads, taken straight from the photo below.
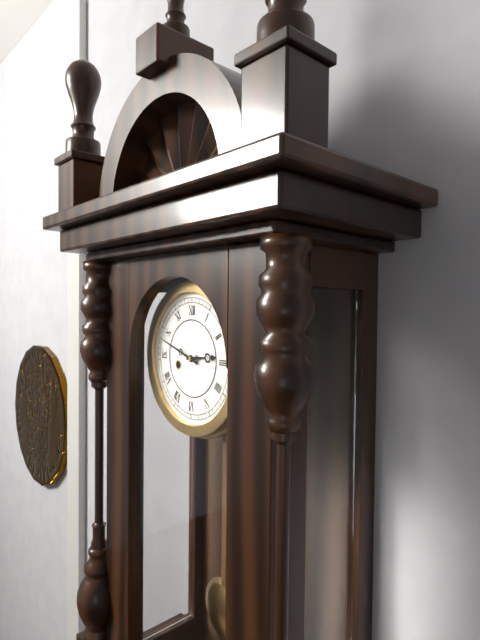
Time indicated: 2:48
